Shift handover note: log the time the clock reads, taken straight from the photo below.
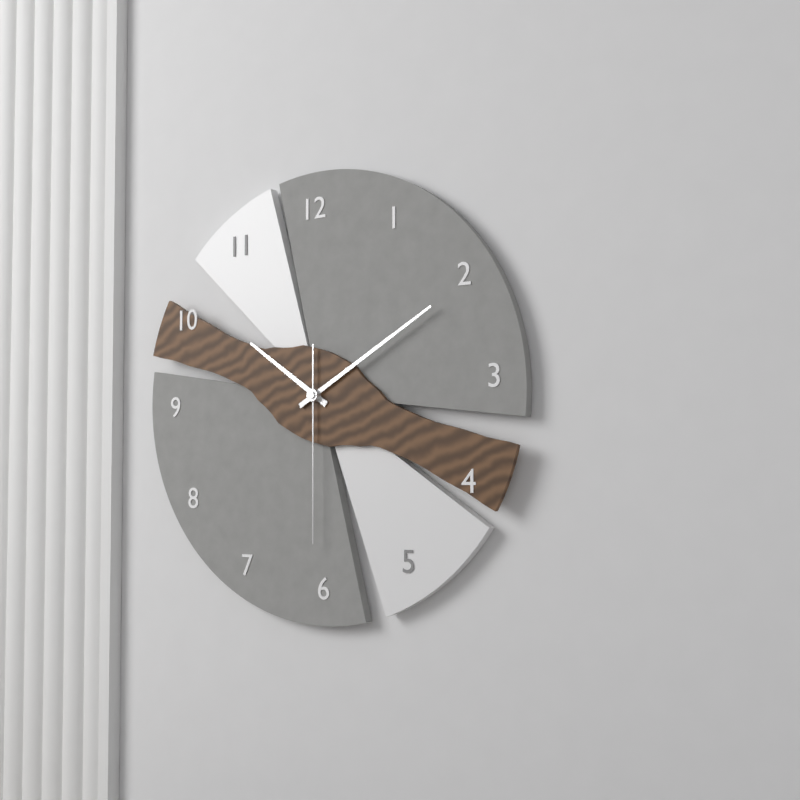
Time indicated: 10:10:30
